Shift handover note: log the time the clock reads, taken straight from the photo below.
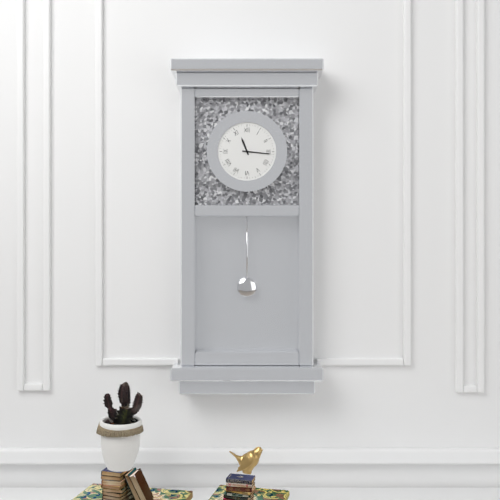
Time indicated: 11:16
